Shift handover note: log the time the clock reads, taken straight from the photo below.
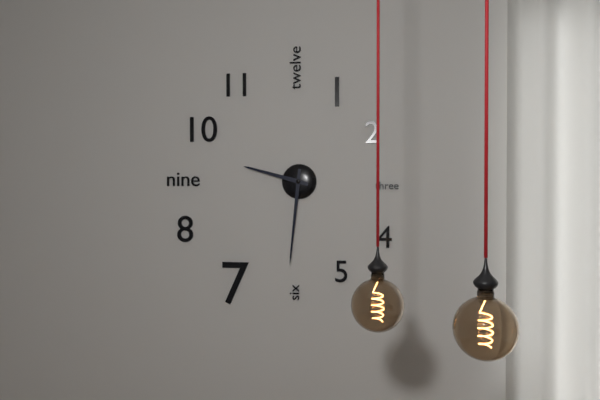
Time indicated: 9:31
